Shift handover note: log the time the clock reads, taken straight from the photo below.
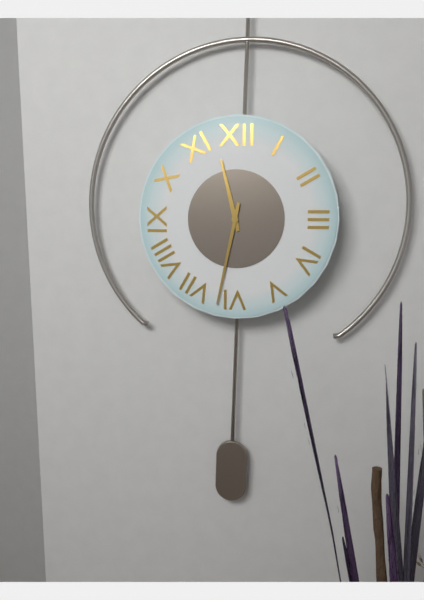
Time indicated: 11:32
